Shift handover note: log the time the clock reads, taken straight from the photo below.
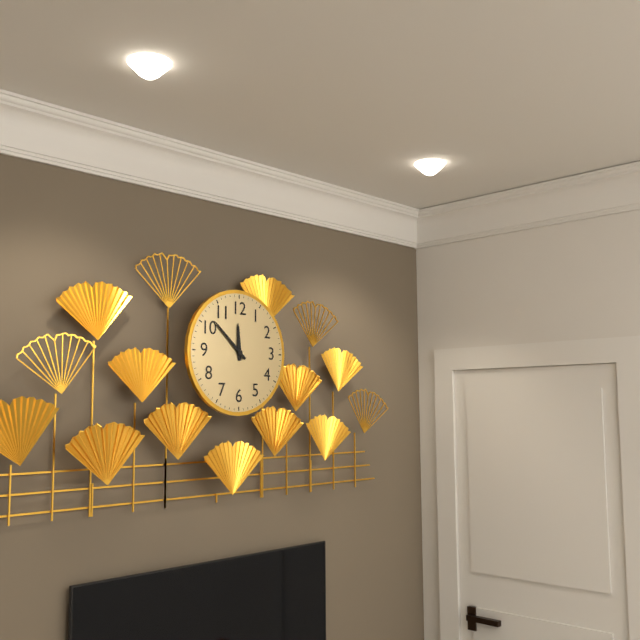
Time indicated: 11:52
